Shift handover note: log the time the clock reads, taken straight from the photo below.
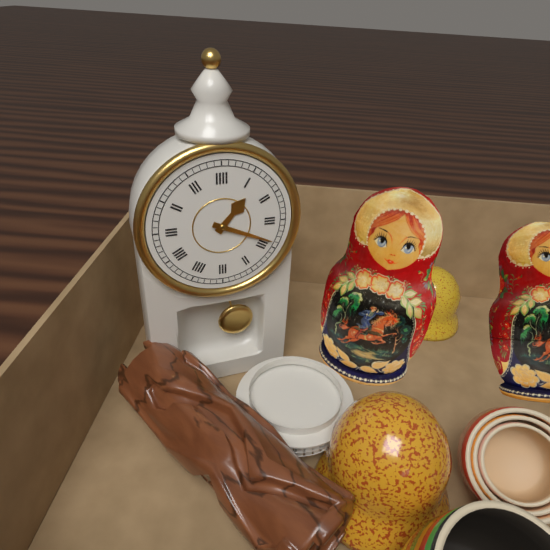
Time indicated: 1:19
